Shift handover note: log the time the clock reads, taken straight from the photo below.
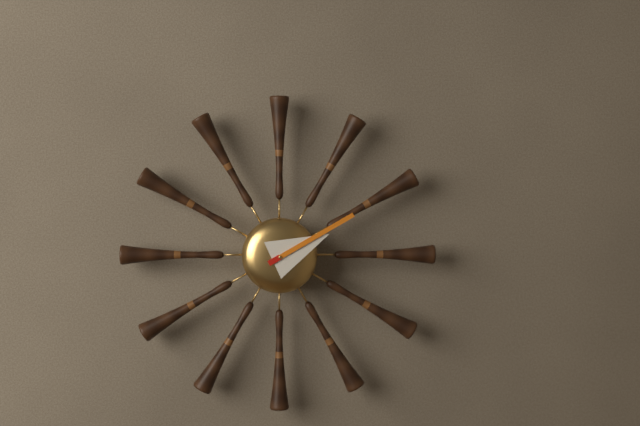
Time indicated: 2:10
